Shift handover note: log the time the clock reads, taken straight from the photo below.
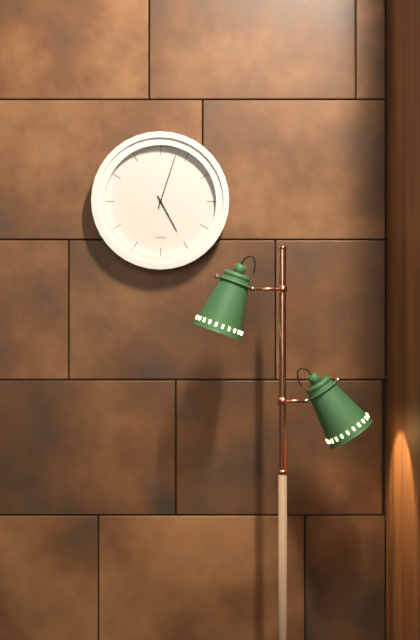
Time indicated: 5:03
